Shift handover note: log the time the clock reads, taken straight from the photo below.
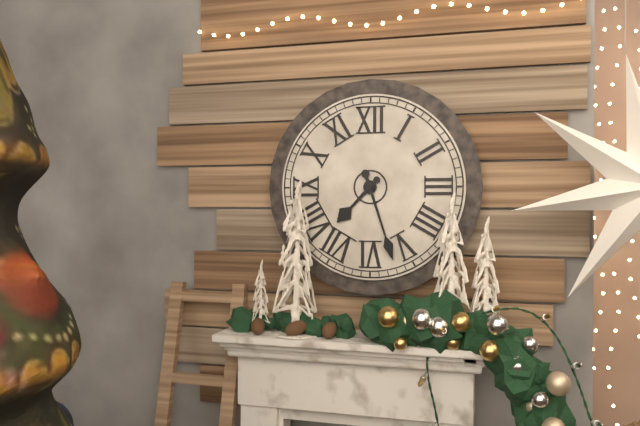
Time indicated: 7:27
